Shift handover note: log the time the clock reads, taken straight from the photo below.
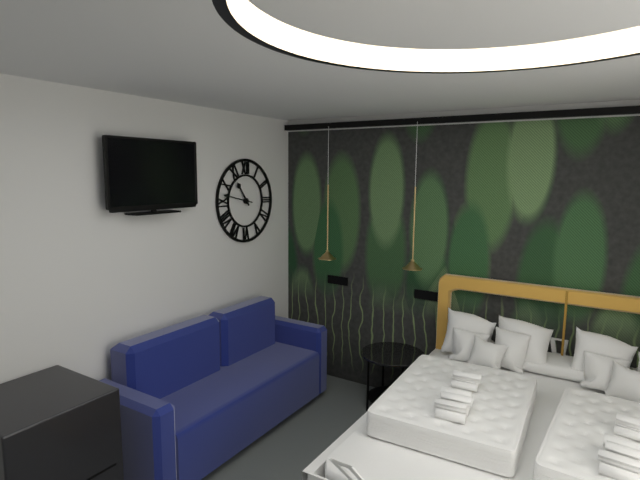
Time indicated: 10:47
